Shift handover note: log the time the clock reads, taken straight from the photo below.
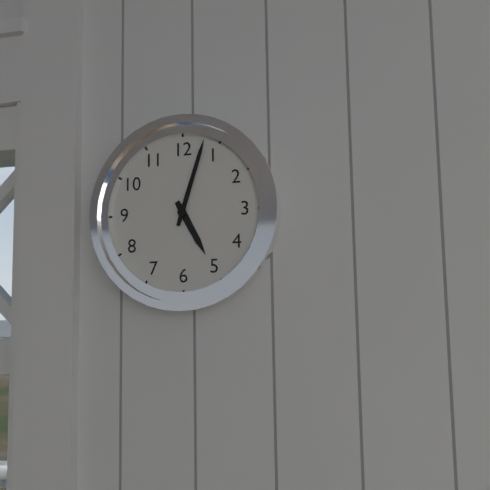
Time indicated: 5:03
